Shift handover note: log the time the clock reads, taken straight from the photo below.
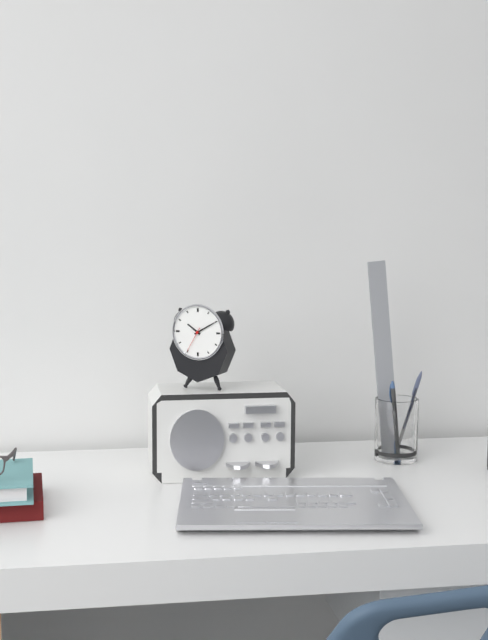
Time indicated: 10:10
